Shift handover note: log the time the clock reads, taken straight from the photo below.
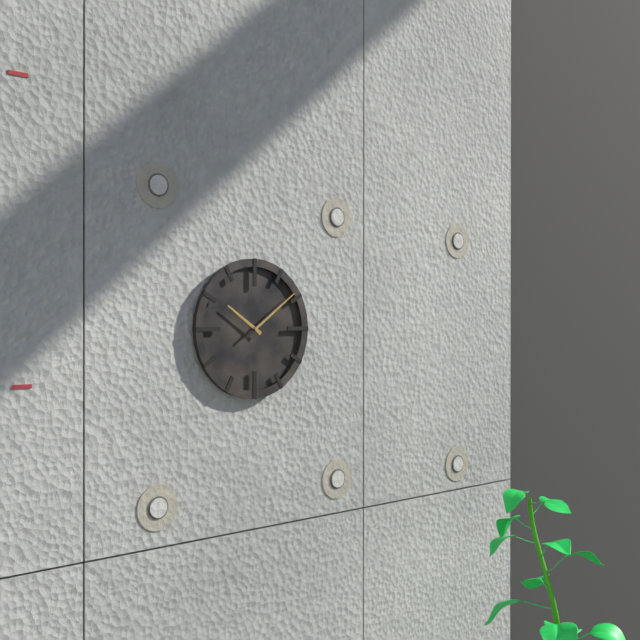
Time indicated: 10:09
